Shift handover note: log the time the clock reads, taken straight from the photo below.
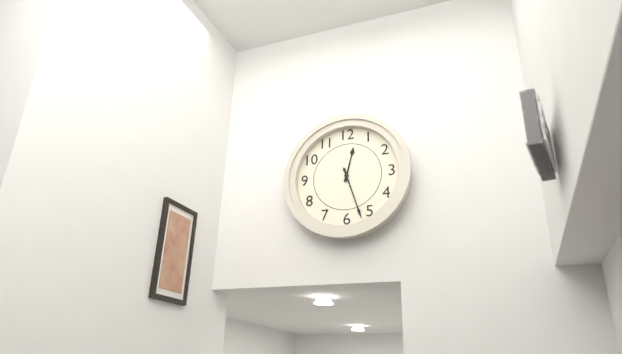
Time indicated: 12:27
